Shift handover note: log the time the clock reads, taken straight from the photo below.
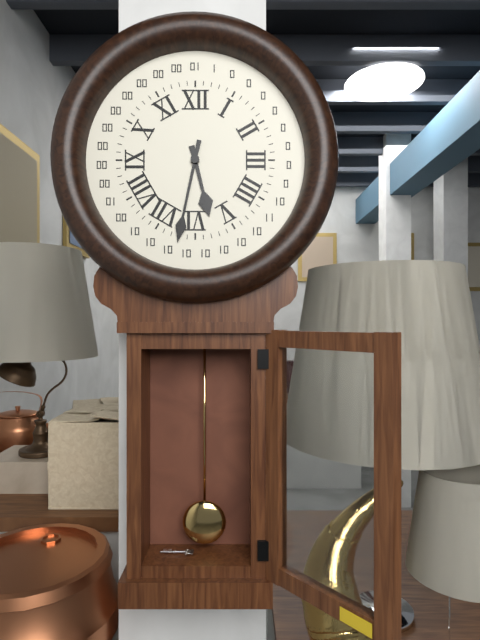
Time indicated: 5:32
